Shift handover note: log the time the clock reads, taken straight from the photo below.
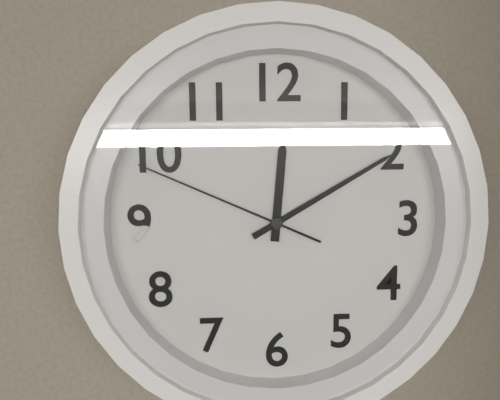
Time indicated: 12:10:49
